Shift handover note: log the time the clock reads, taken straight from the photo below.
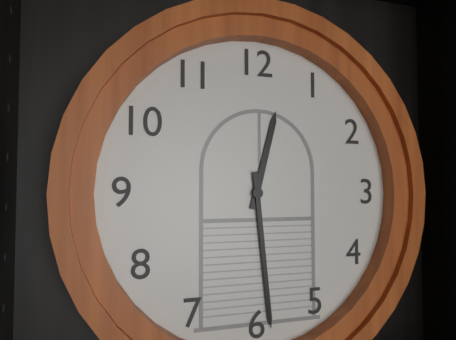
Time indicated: 12:29
